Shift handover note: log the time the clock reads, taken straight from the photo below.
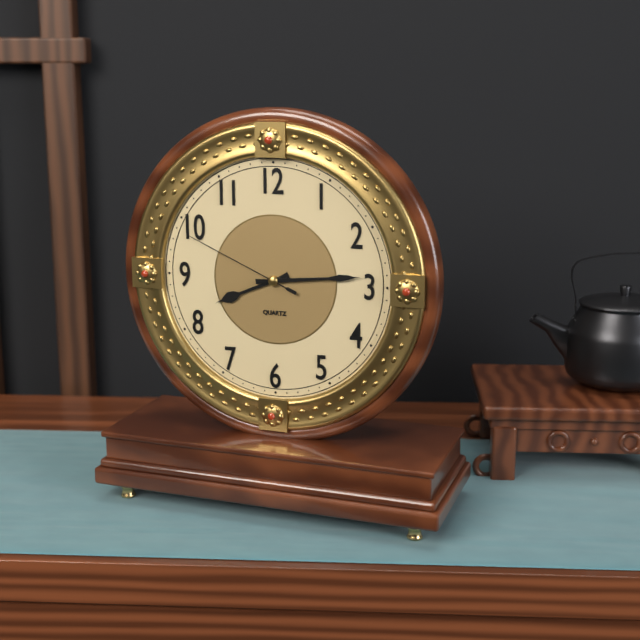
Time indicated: 8:14:49
